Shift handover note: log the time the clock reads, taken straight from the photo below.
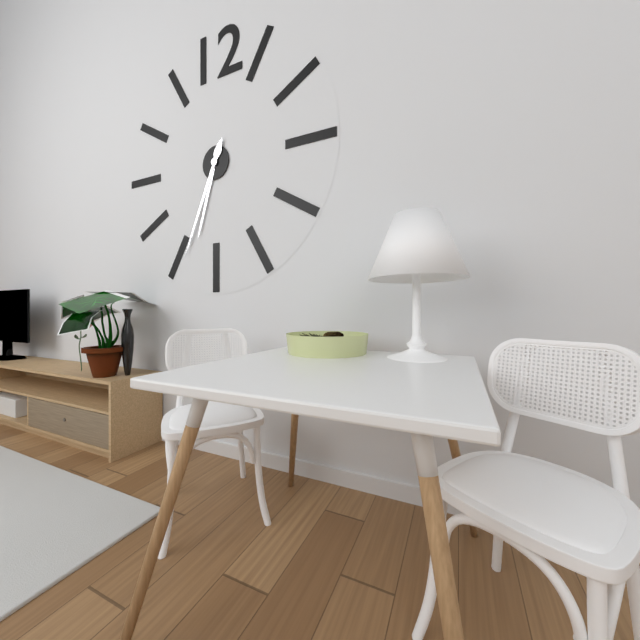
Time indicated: 6:34
